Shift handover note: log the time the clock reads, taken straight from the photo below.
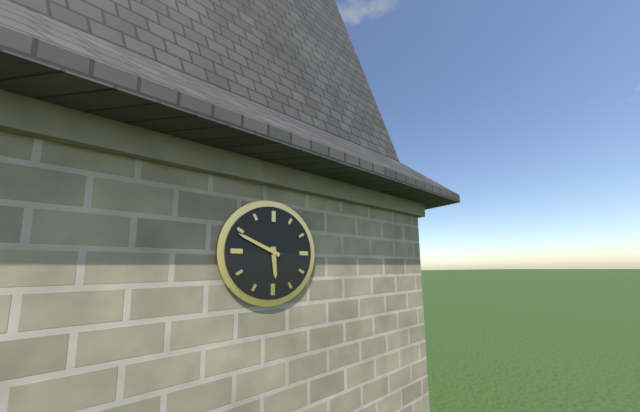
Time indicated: 5:49
